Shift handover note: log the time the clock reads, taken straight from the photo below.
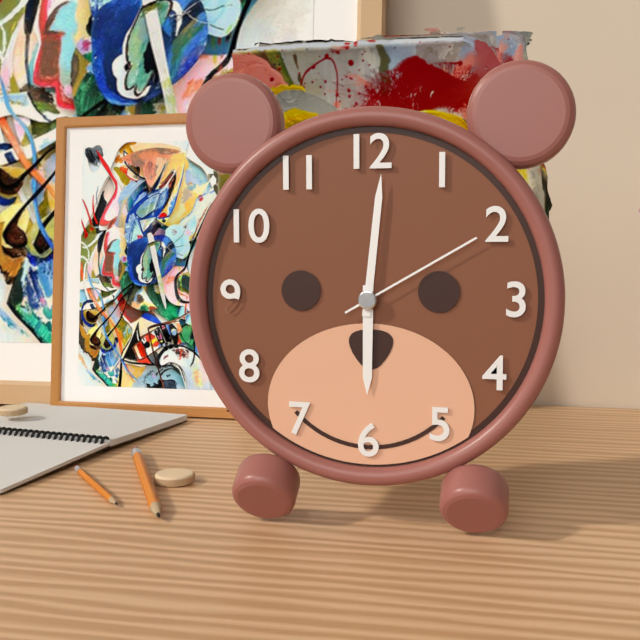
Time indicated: 6:01:10
